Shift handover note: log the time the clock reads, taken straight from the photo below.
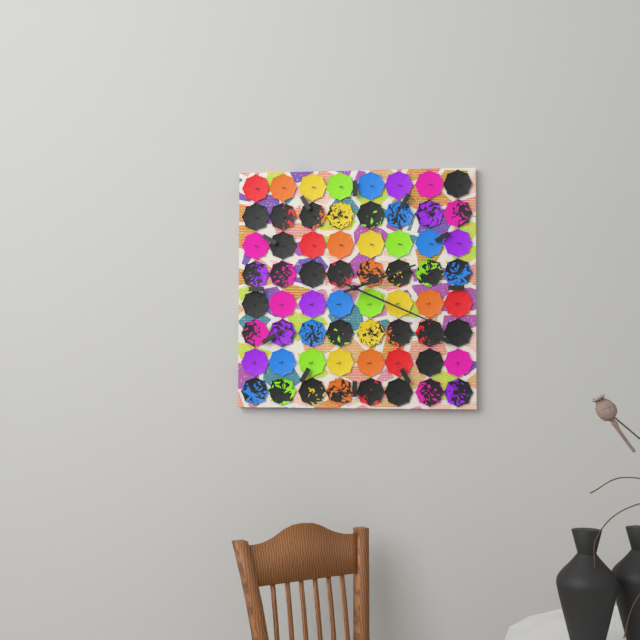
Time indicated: 2:19
